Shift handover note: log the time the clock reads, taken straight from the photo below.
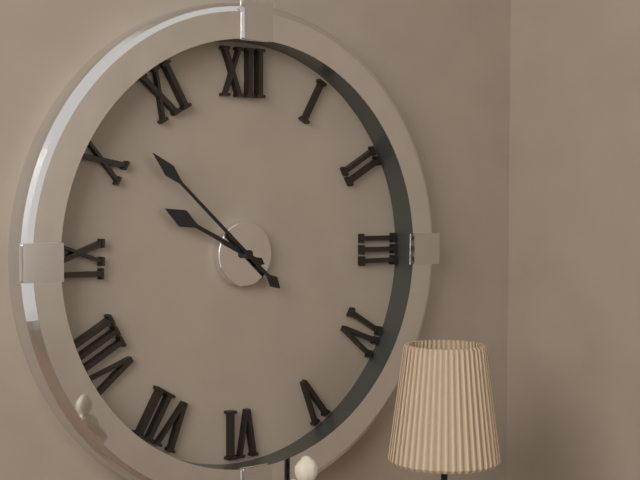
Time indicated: 9:52
